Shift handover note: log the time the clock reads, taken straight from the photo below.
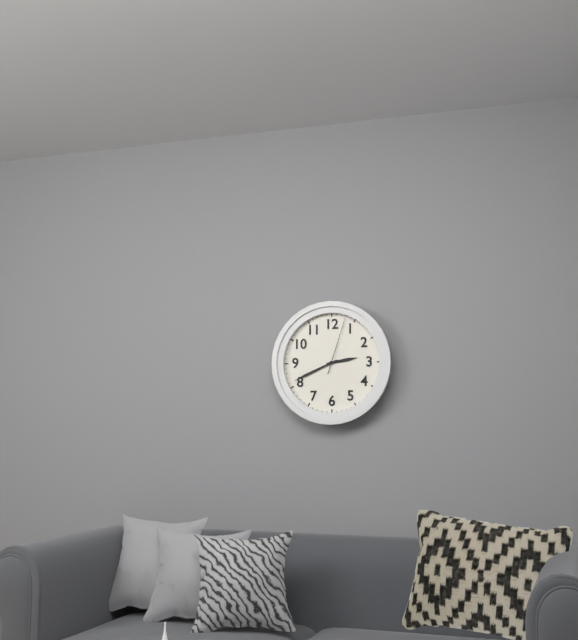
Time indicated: 2:41:03
